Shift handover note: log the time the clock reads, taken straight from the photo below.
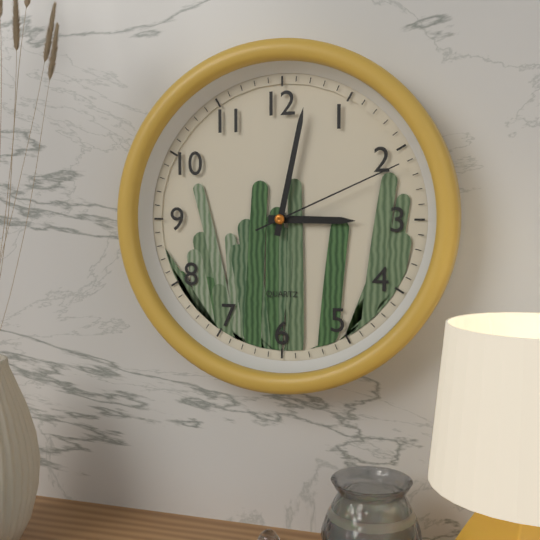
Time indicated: 3:02:11
